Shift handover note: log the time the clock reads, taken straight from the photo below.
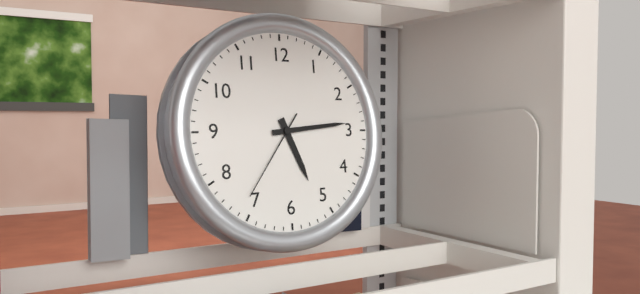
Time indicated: 5:14:36
